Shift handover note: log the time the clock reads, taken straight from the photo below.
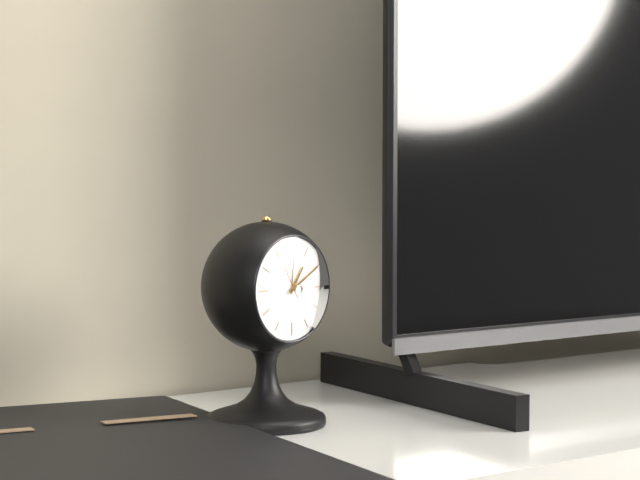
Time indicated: 1:10:55
